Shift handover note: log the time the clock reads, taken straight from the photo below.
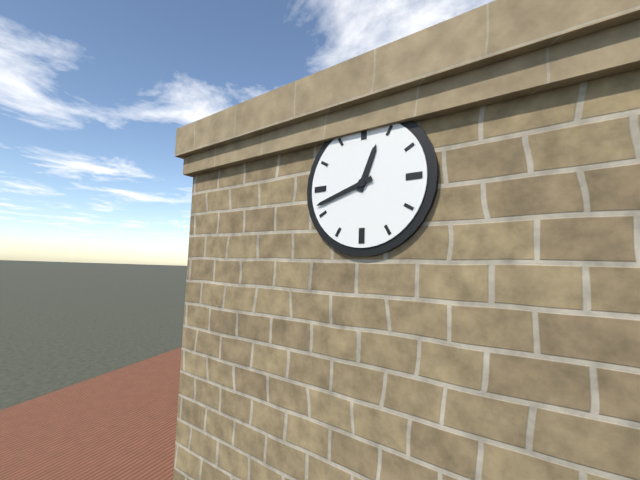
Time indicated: 12:42
